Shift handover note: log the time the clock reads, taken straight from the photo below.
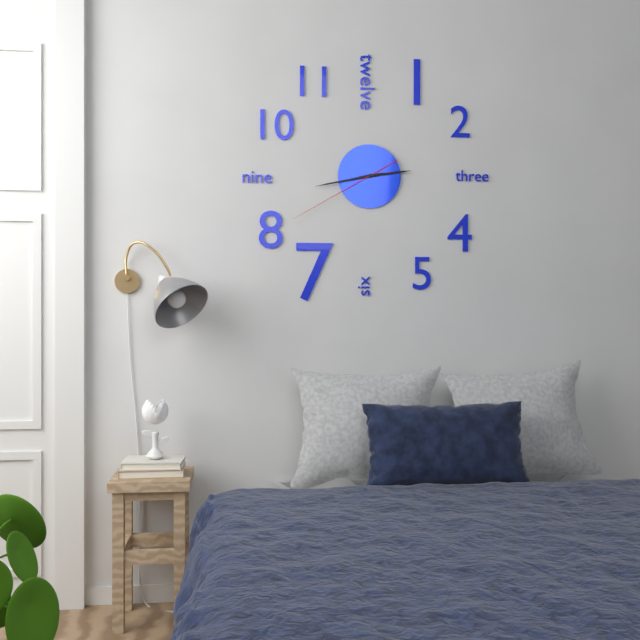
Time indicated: 2:43:40
